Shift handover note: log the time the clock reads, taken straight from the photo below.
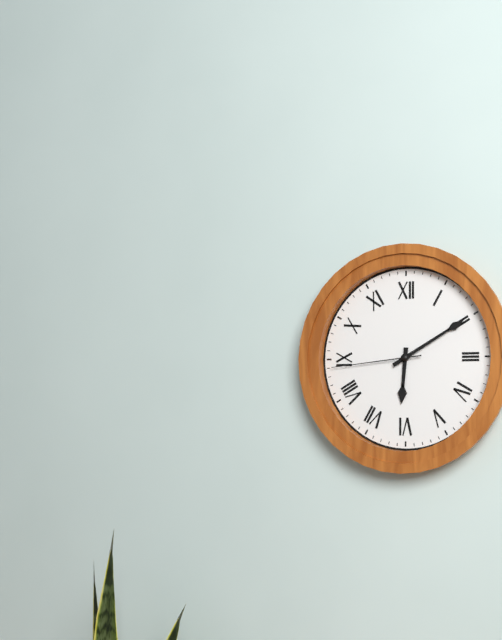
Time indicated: 6:10:44
